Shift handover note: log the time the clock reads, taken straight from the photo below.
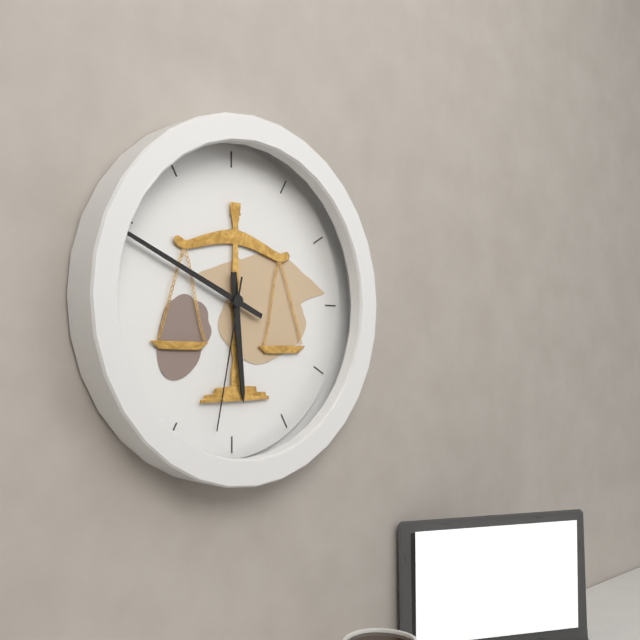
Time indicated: 5:49:32
